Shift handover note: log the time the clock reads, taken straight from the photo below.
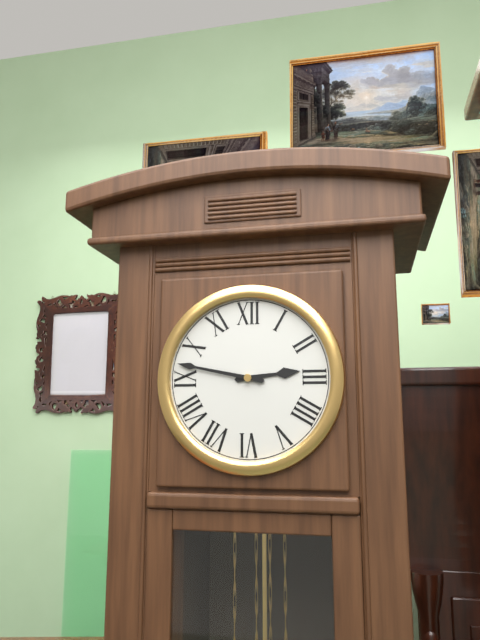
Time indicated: 2:47
